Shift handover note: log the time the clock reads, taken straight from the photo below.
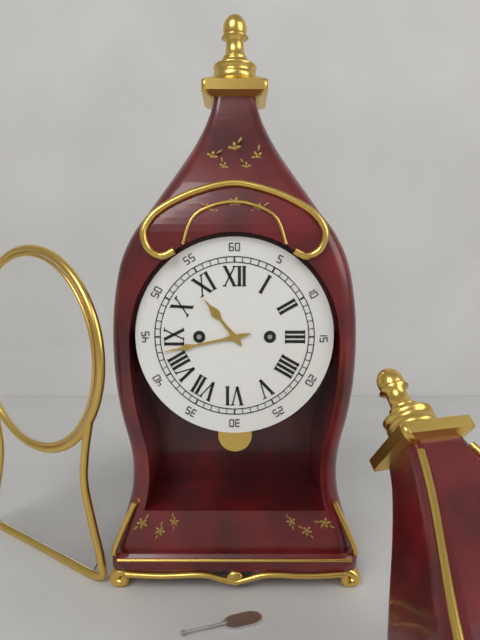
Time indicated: 10:43
